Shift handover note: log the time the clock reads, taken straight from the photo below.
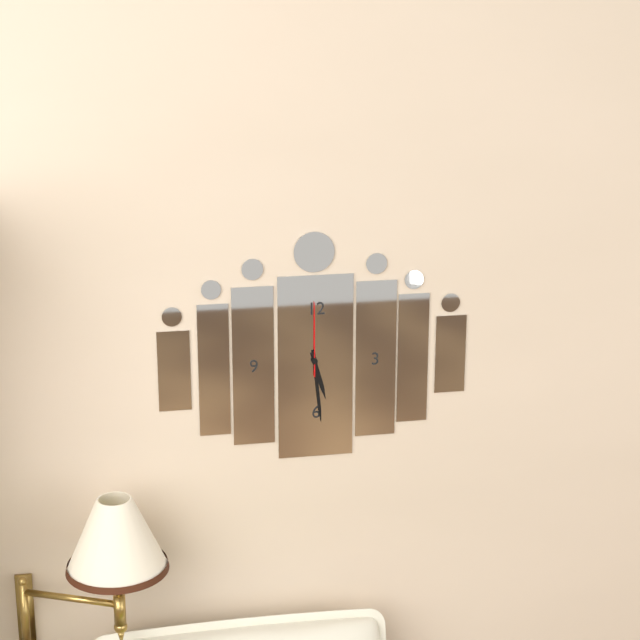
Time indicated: 5:29:00
